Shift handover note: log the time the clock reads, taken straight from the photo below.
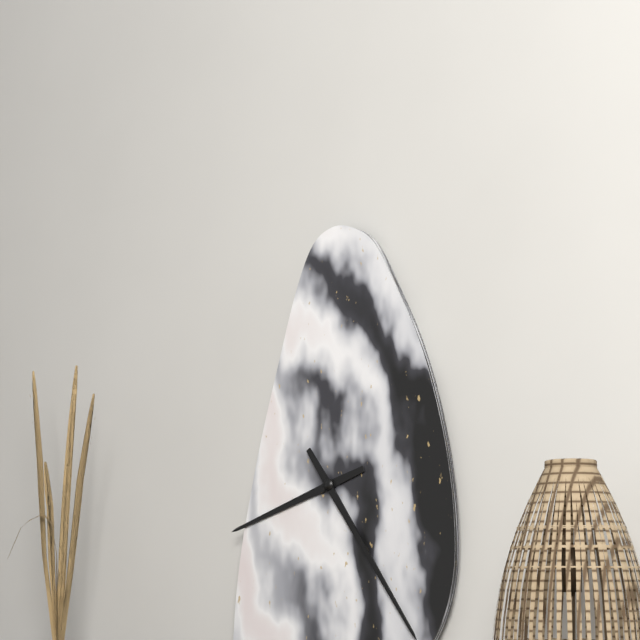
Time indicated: 8:24
